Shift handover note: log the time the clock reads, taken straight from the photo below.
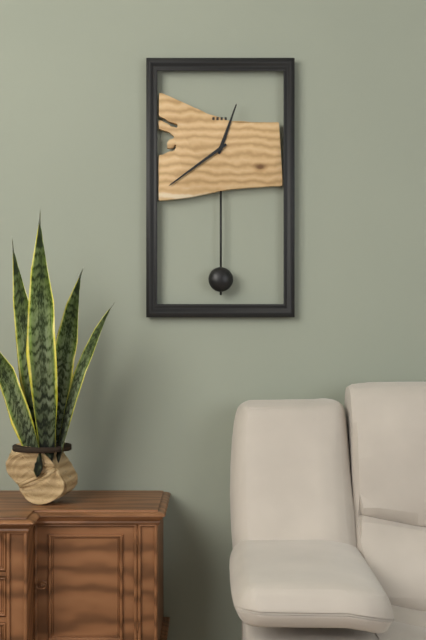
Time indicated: 12:39
